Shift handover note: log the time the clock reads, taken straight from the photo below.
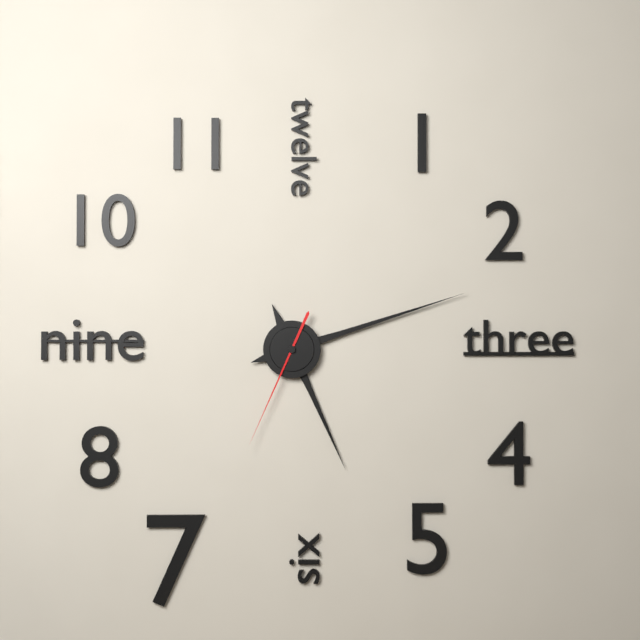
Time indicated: 5:12:34
